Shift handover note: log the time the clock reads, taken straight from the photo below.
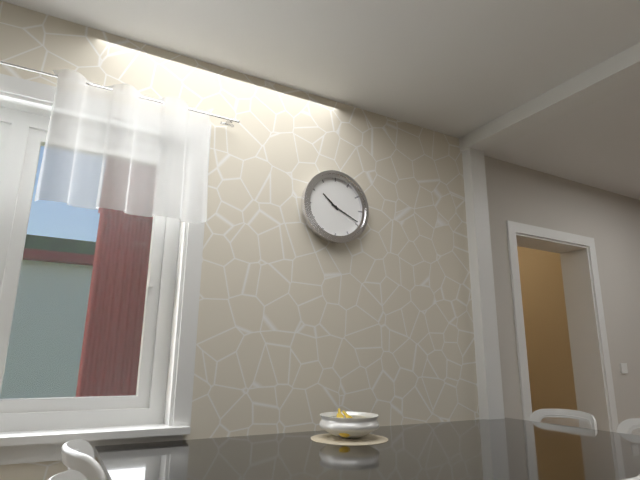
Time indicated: 10:19
